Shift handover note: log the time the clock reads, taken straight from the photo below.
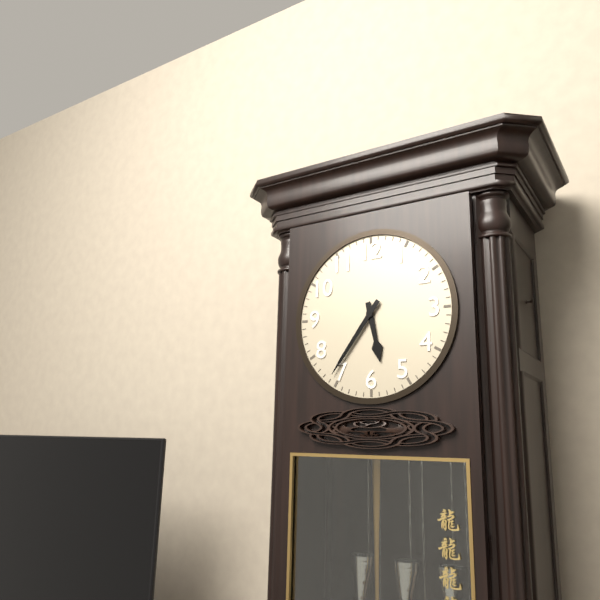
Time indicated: 5:36
